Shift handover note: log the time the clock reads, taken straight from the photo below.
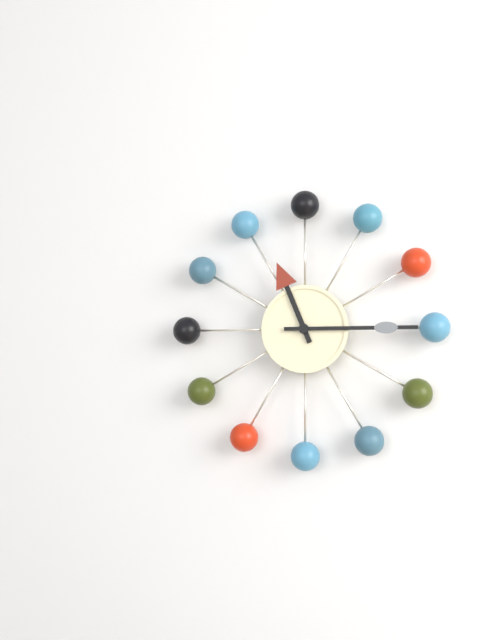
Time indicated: 11:15
